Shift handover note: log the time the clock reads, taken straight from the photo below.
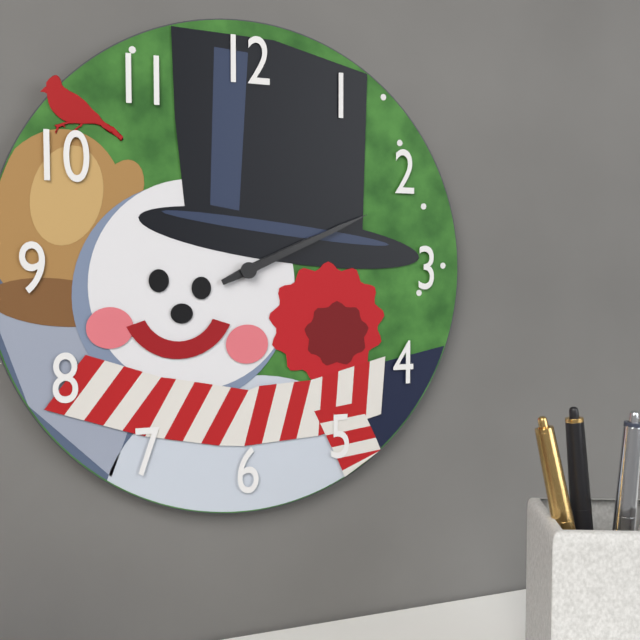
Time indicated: 2:11
